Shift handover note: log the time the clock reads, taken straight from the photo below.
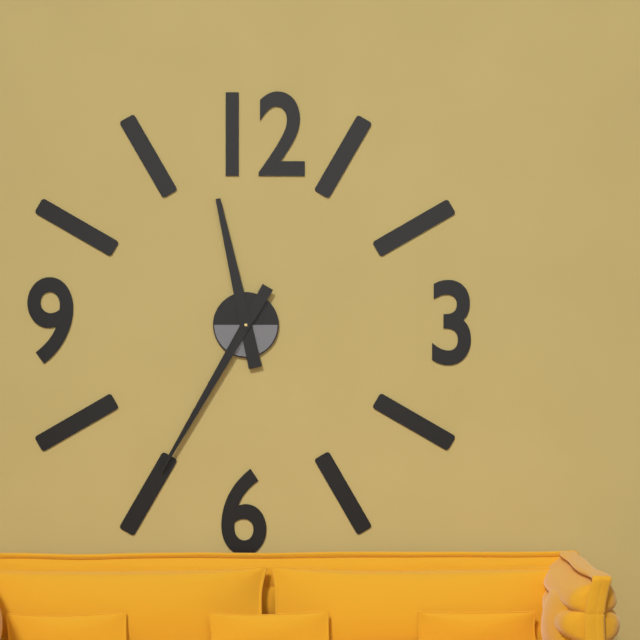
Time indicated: 11:35
